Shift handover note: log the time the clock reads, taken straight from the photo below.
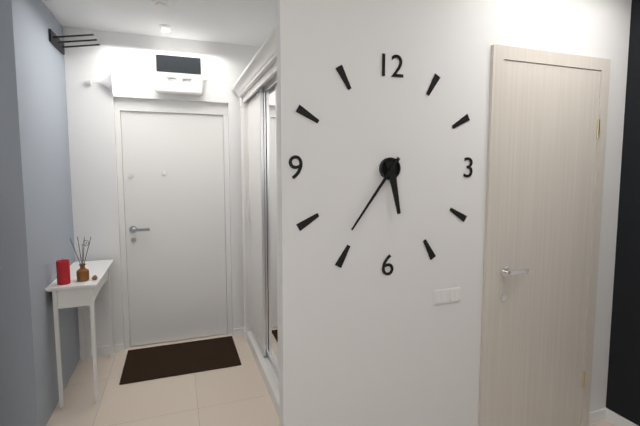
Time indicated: 5:36
